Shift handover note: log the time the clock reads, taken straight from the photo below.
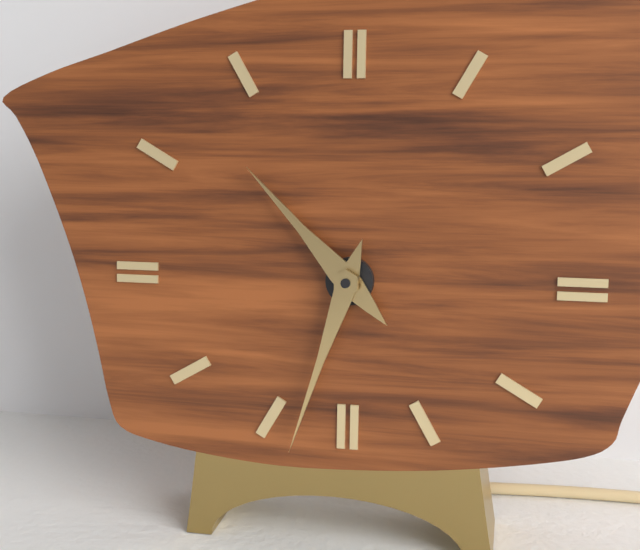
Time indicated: 10:33
